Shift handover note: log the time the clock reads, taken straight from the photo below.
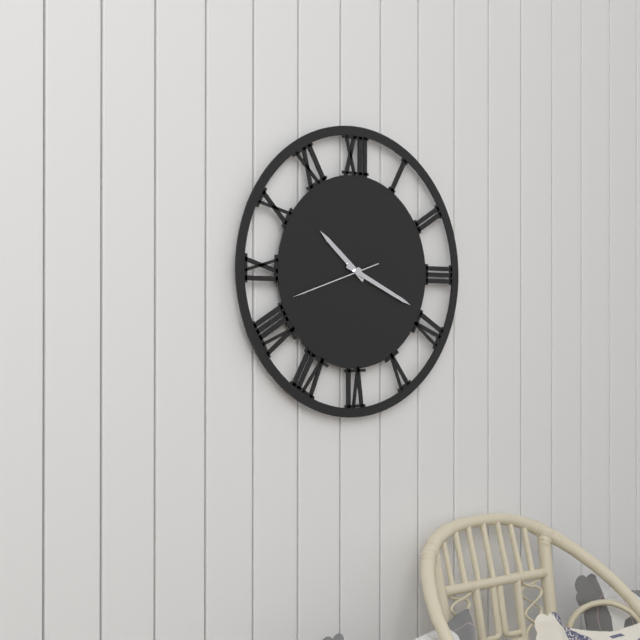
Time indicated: 10:19:42
